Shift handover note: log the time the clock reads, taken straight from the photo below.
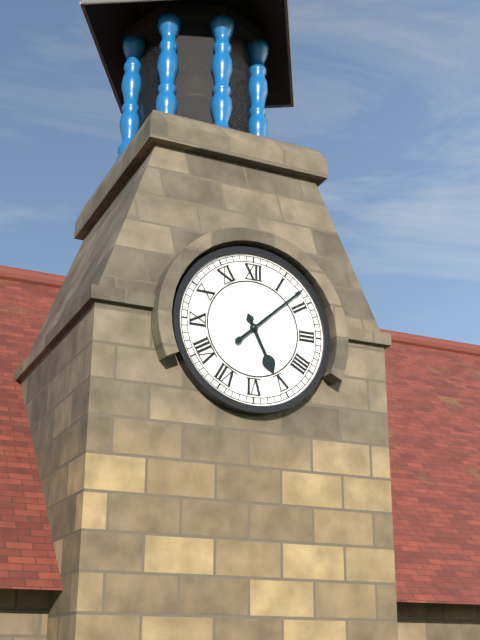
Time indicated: 5:08
